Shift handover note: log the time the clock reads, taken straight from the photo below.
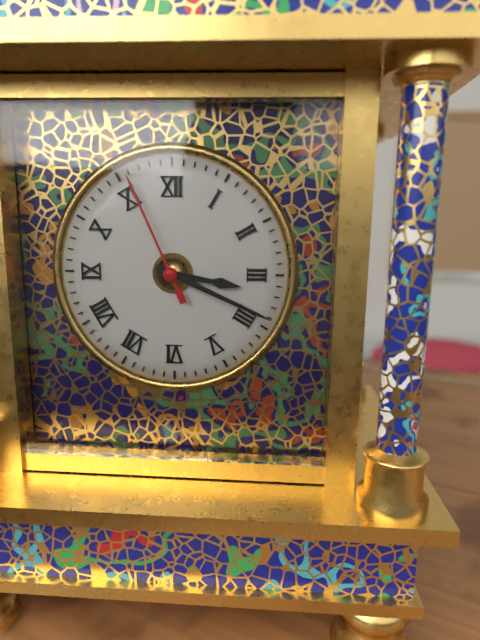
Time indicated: 3:19:56
